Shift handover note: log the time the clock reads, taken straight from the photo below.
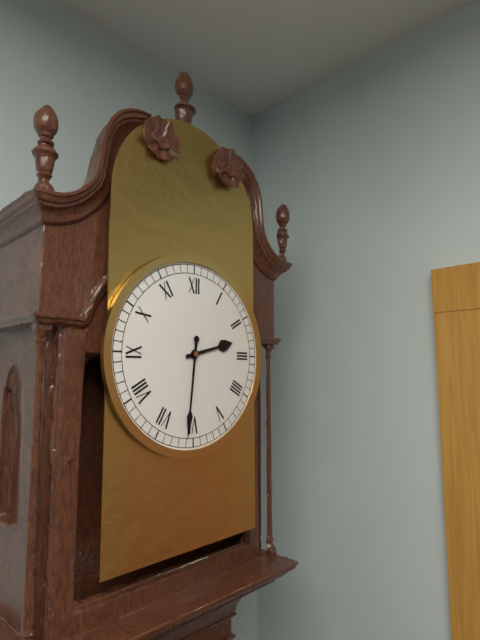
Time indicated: 2:31
